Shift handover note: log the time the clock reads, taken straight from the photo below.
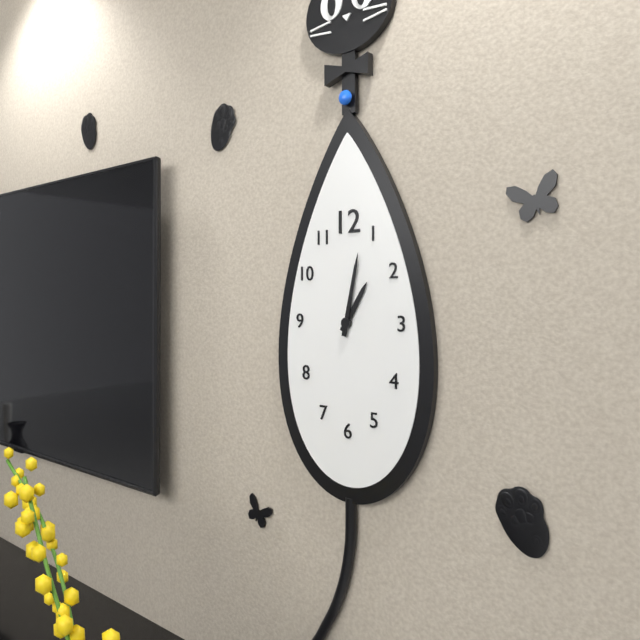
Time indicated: 1:02
